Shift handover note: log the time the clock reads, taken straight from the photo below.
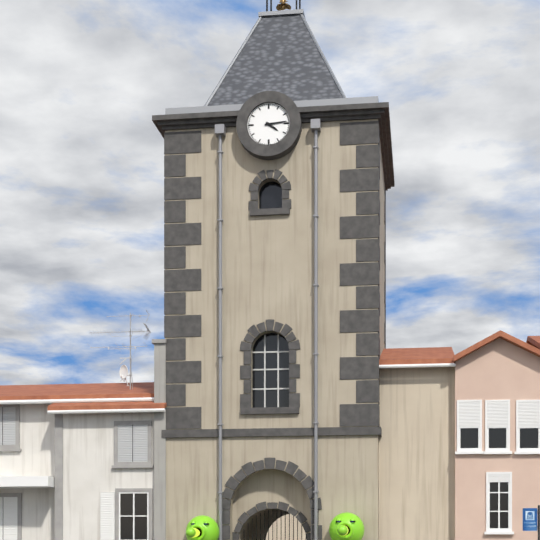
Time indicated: 4:14
